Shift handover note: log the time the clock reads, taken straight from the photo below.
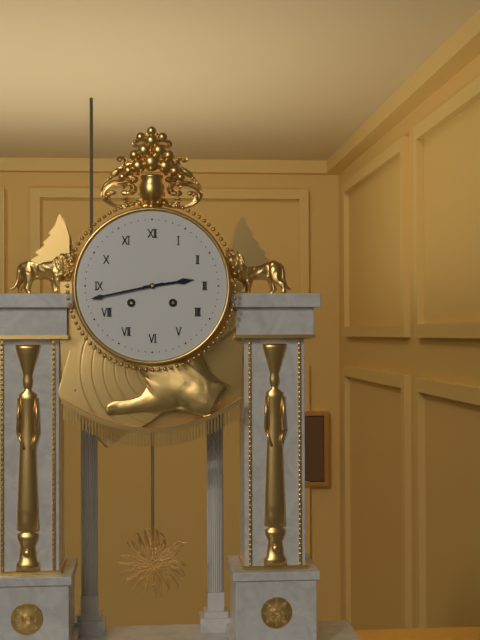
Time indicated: 2:43
